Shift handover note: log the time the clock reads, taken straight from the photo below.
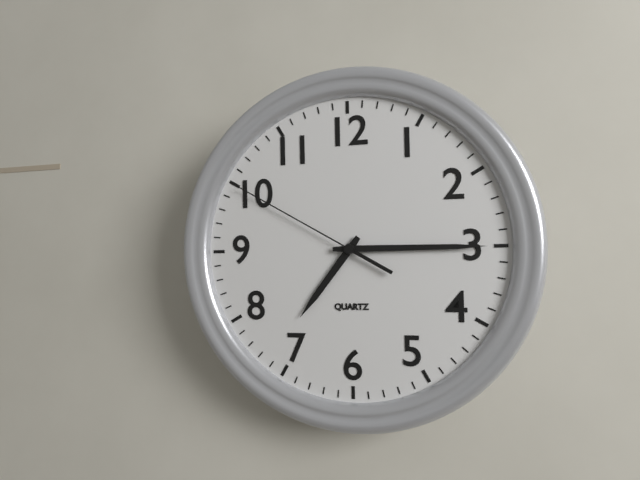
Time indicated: 7:15:50
